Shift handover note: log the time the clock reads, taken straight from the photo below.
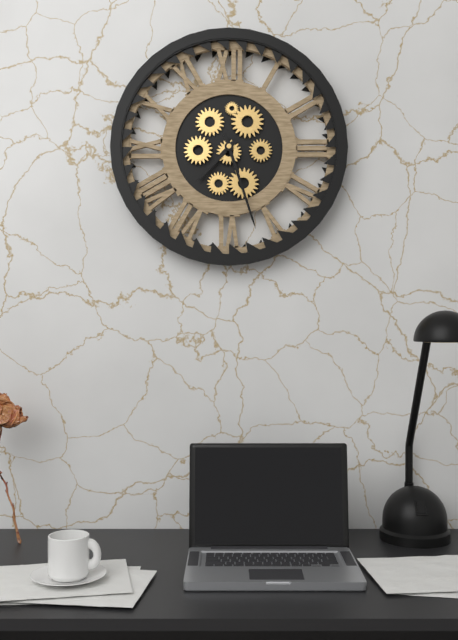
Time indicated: 7:27
